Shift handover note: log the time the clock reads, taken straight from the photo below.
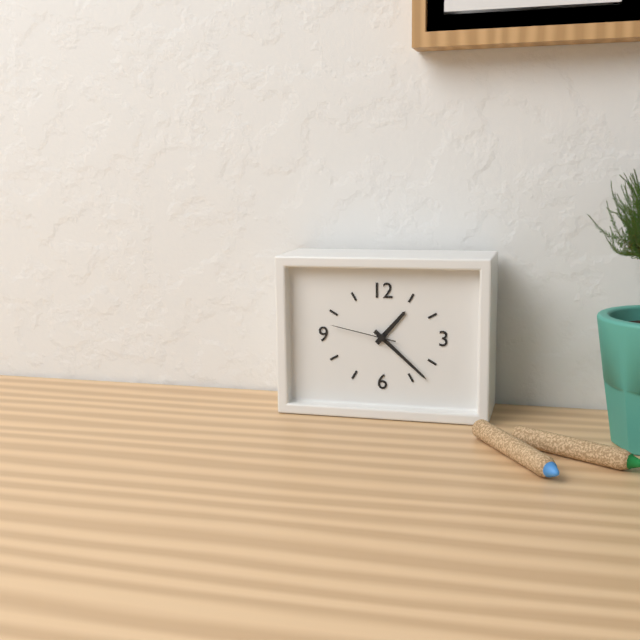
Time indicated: 1:22:47
